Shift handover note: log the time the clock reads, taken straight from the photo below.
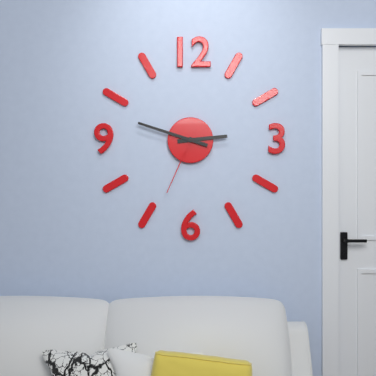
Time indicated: 2:48:34
